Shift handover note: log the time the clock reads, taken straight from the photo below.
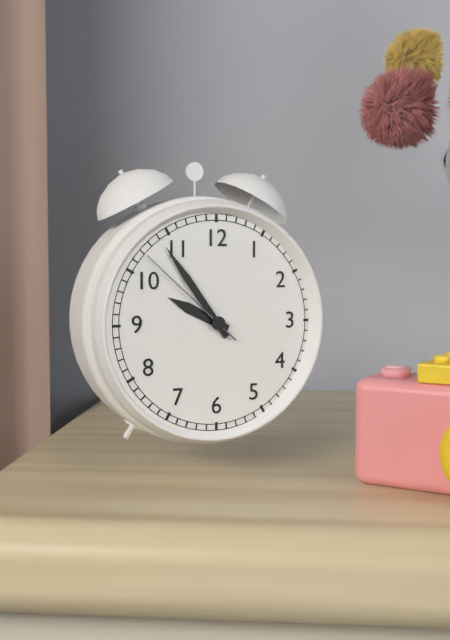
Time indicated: 9:54:52
